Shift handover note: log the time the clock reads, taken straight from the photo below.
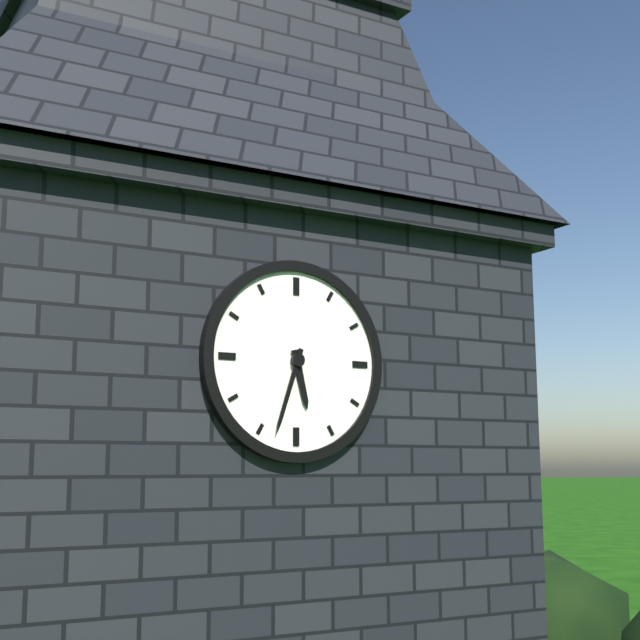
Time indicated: 5:33
